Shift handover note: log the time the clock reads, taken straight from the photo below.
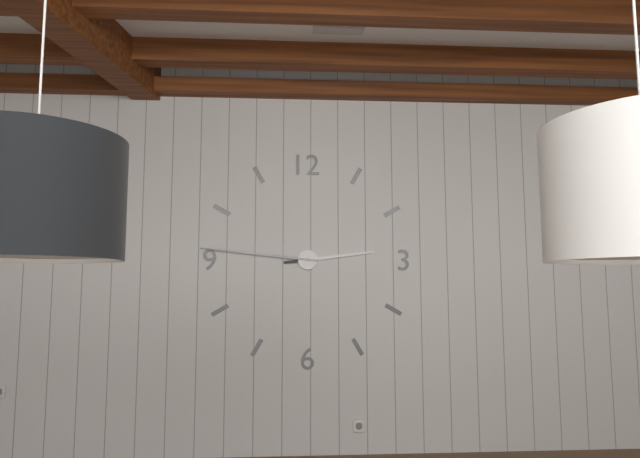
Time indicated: 2:46
